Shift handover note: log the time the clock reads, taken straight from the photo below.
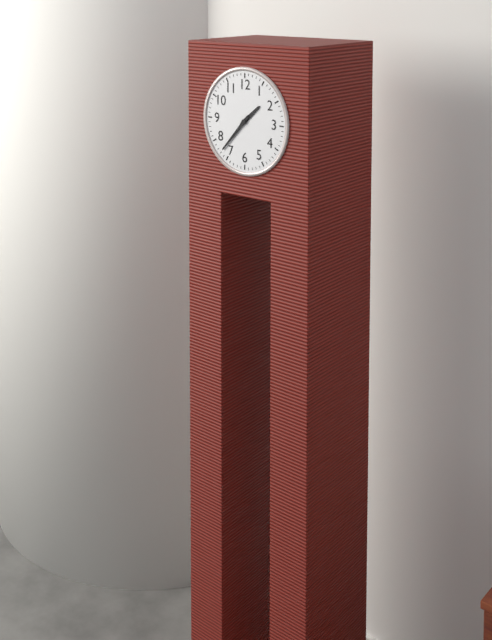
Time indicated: 1:37
